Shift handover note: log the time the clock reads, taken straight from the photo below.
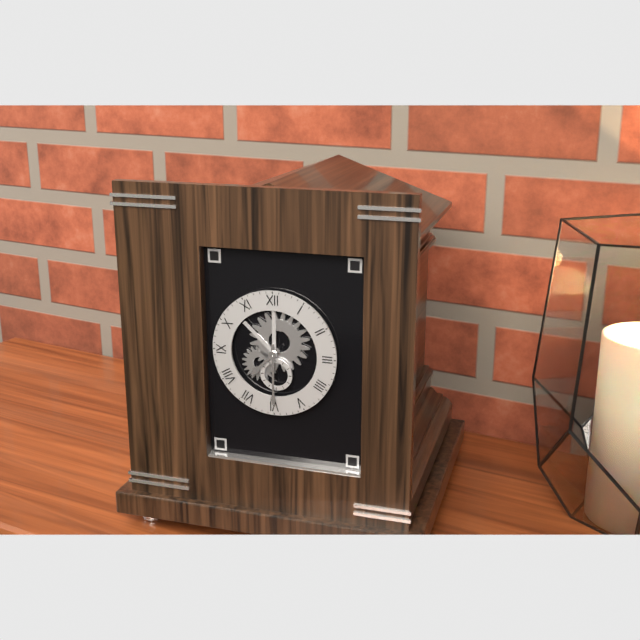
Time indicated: 7:30
